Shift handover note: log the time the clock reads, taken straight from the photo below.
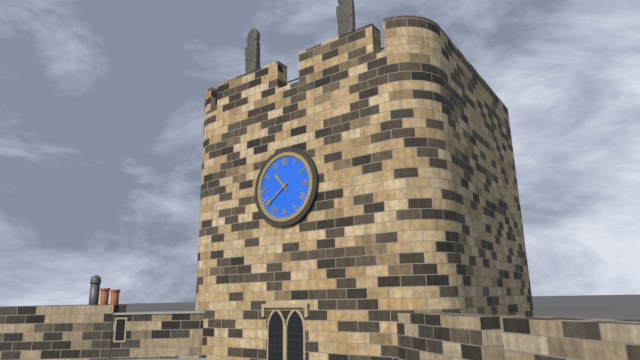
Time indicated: 10:39
